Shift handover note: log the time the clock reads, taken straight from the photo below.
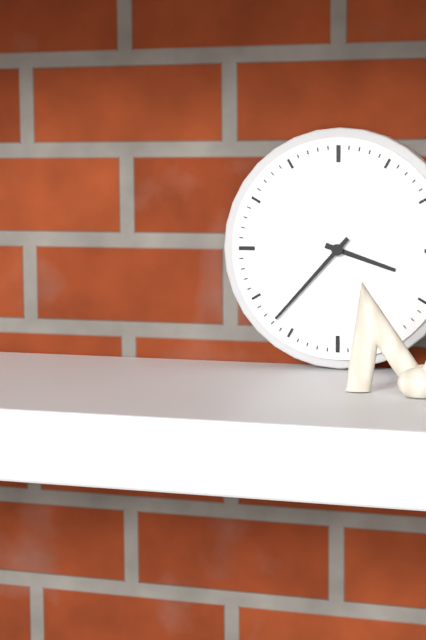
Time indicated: 3:37
